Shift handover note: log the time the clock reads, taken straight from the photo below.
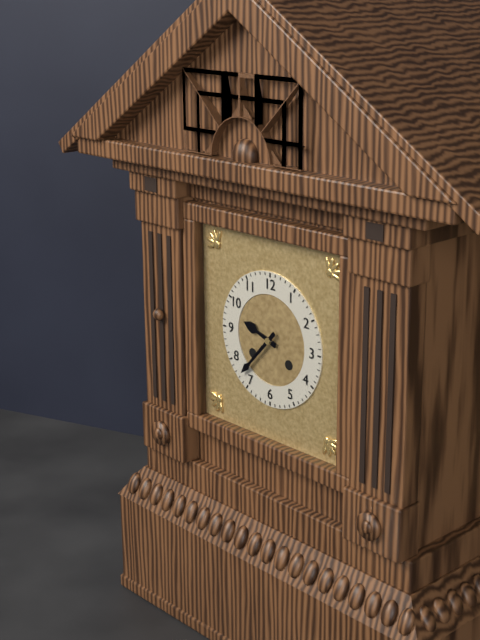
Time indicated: 9:37
